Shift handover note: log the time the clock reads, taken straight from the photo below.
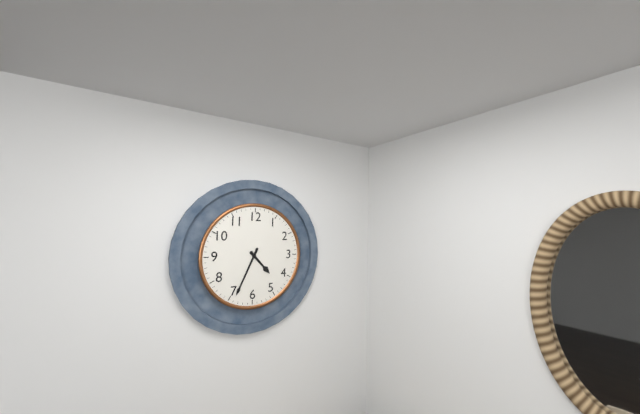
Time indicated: 4:34
